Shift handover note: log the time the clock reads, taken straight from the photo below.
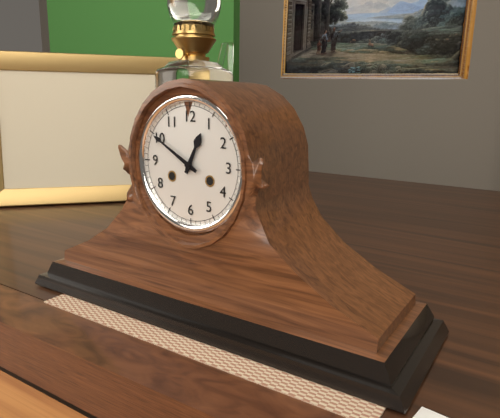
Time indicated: 12:50
